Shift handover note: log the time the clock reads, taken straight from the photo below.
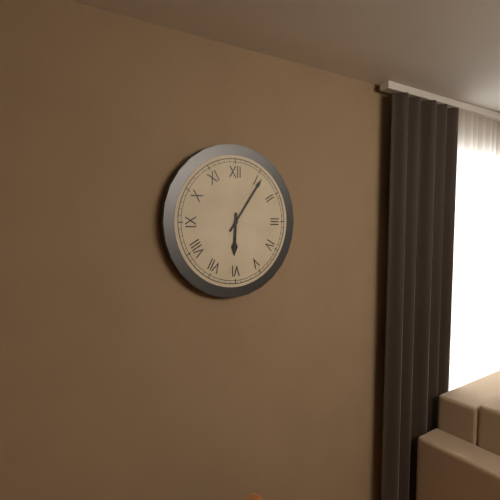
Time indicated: 6:06
